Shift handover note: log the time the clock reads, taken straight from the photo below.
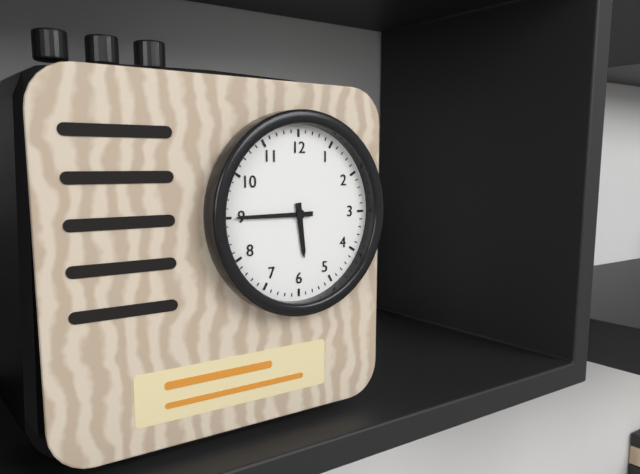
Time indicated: 5:45
